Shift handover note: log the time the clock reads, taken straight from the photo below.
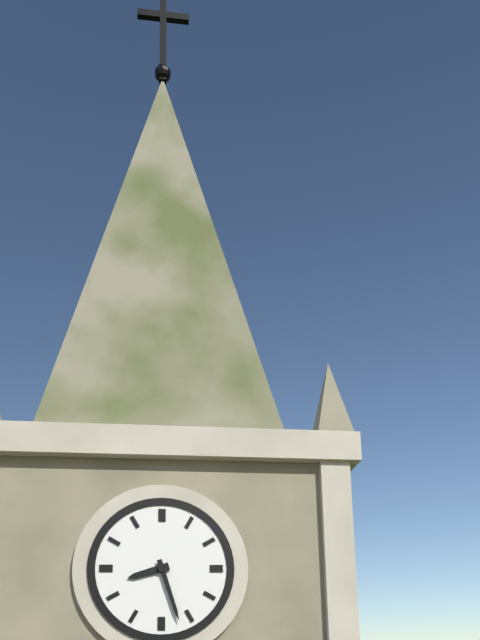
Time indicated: 8:27
